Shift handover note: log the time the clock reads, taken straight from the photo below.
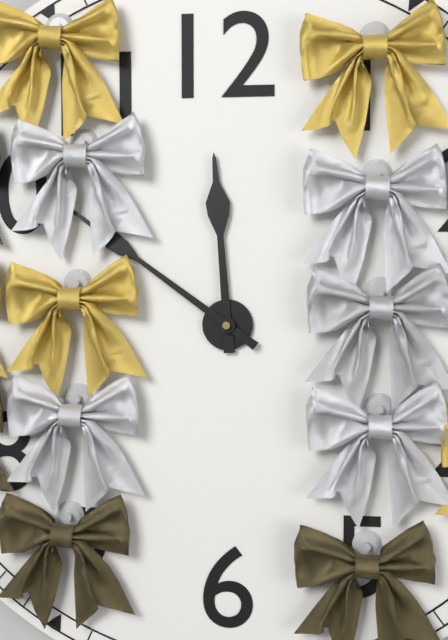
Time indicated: 11:51
